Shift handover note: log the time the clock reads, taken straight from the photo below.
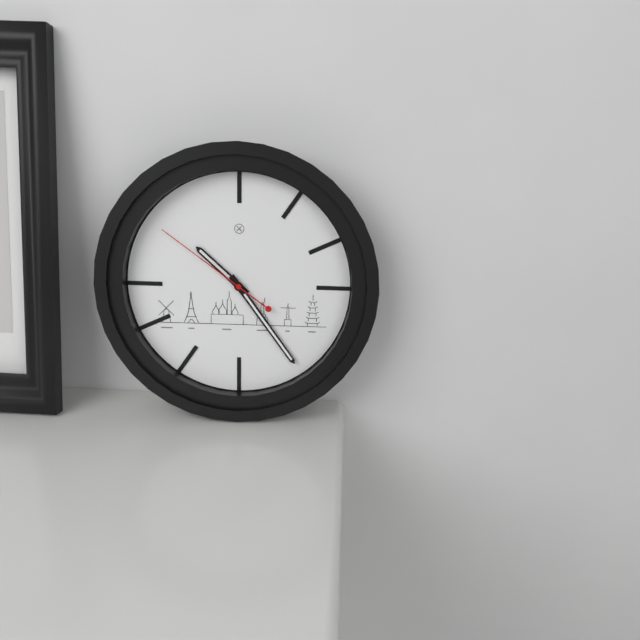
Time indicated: 10:24:51
